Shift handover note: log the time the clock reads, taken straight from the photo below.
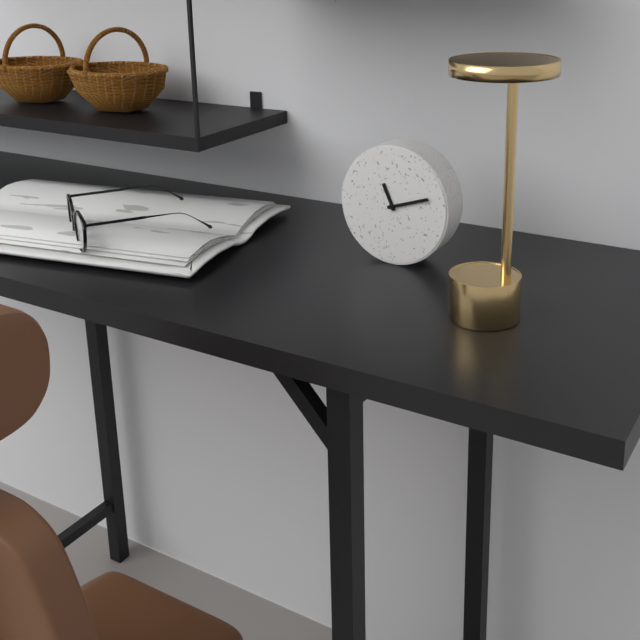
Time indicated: 11:12
